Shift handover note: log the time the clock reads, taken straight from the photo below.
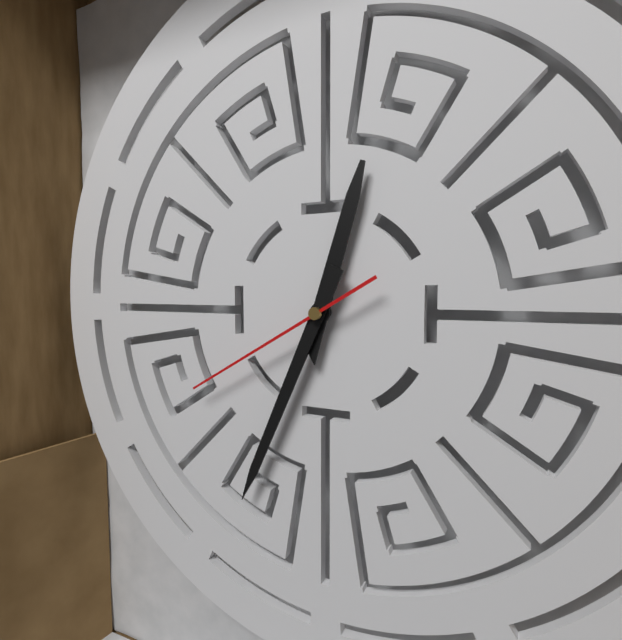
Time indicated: 12:34:40
